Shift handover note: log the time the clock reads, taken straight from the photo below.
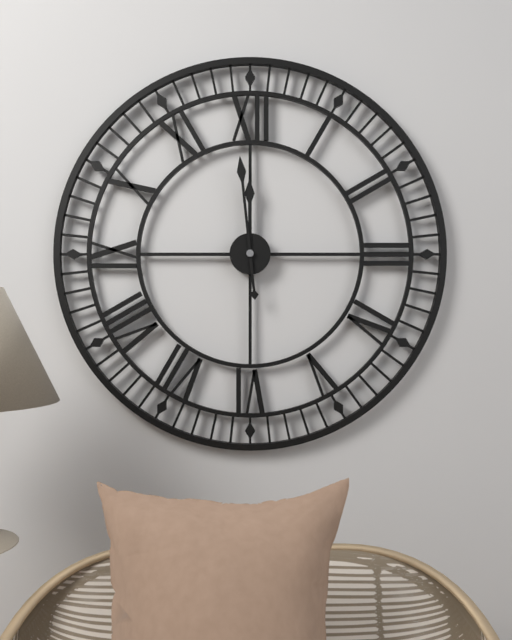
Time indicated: 11:59
